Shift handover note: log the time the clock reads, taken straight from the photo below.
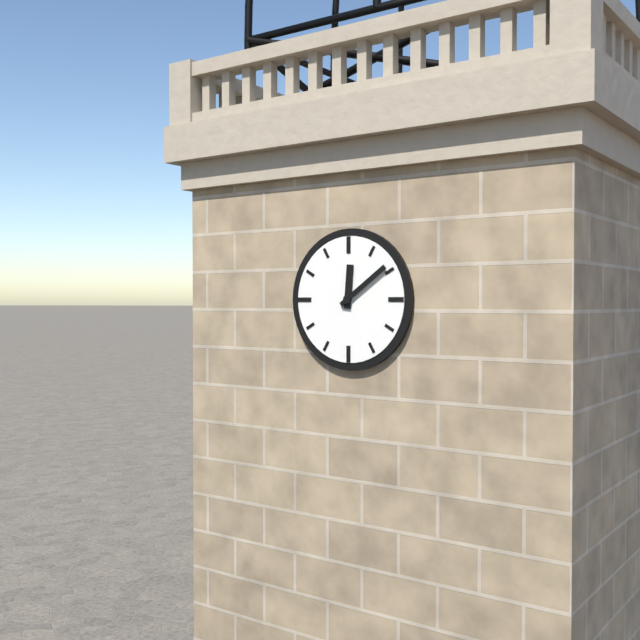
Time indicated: 12:09
